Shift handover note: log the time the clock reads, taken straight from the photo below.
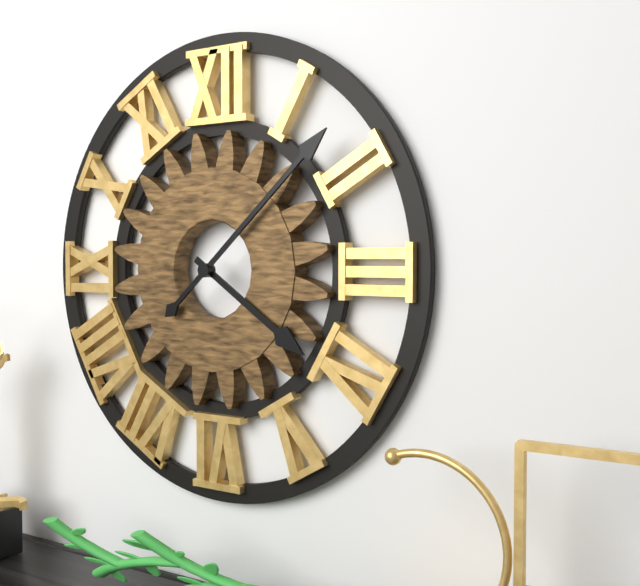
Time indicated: 4:08
